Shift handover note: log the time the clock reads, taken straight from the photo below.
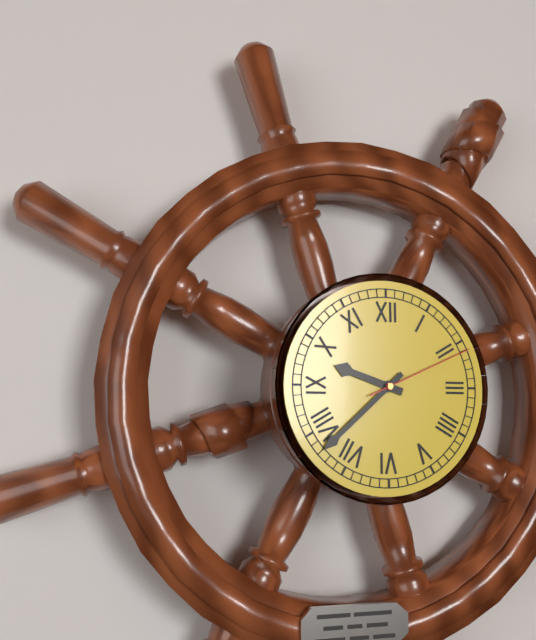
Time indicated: 9:38:11
